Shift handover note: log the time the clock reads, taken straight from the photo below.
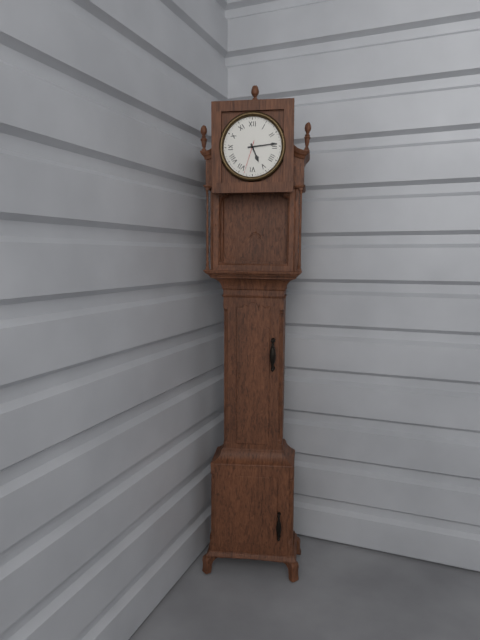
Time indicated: 5:14
